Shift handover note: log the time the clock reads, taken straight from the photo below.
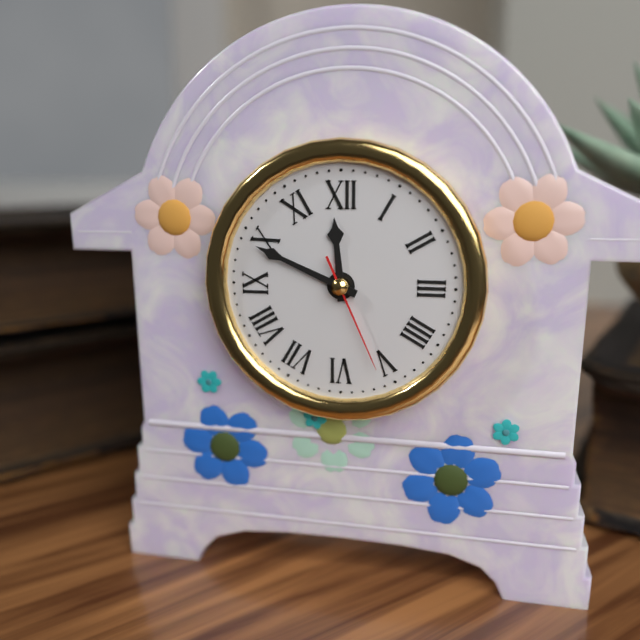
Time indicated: 11:49:26
